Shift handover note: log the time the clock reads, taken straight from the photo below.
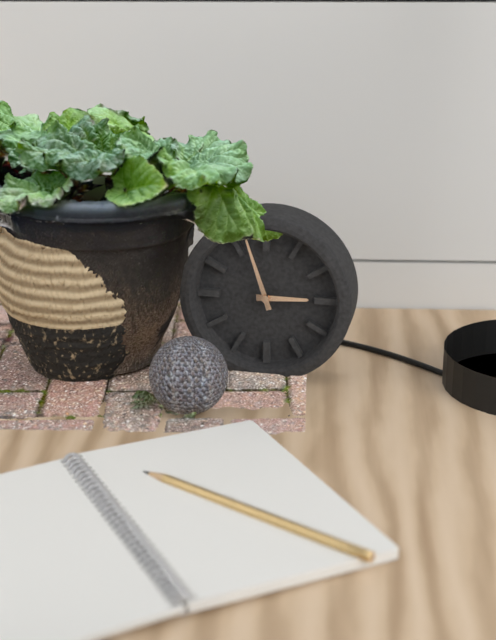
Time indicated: 2:57
